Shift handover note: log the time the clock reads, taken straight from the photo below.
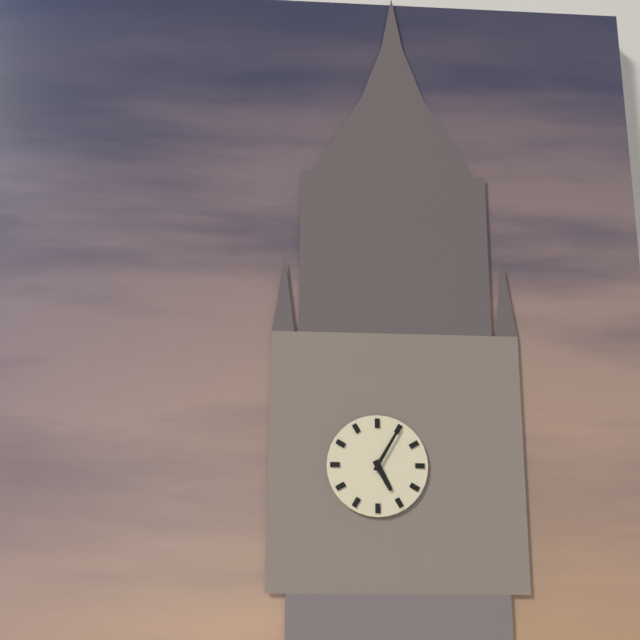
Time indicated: 5:05
